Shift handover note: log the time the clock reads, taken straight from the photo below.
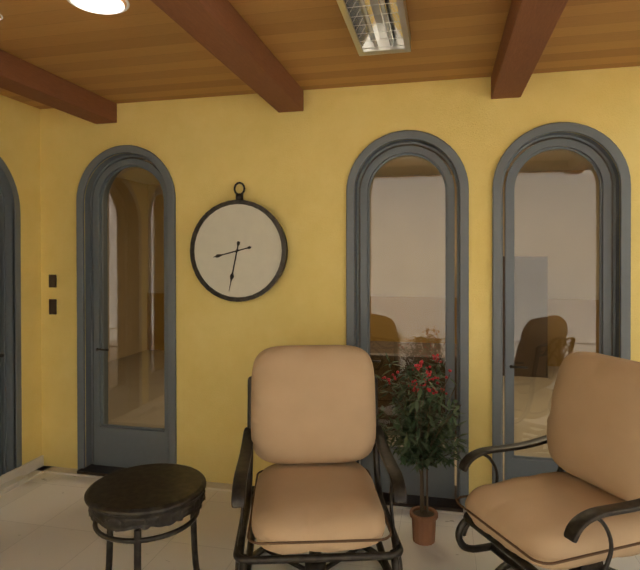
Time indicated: 8:32
